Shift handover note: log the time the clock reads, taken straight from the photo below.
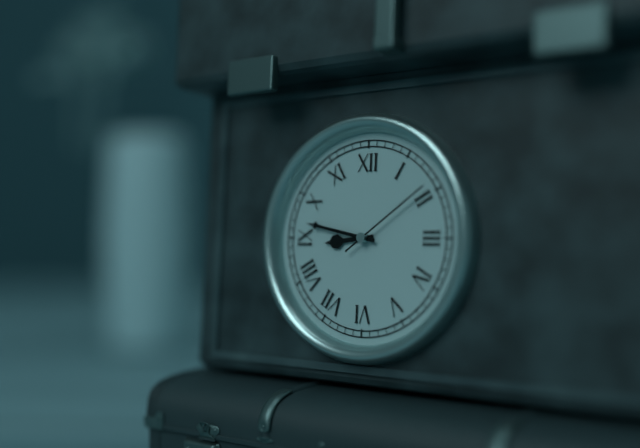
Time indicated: 8:47:09
